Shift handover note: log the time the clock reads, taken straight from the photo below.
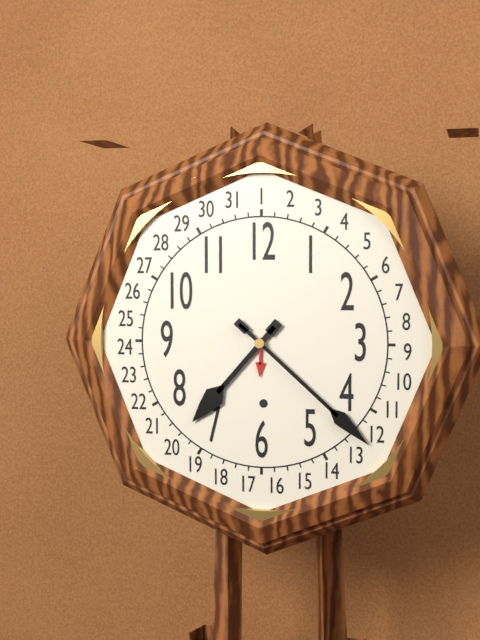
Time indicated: 7:22
